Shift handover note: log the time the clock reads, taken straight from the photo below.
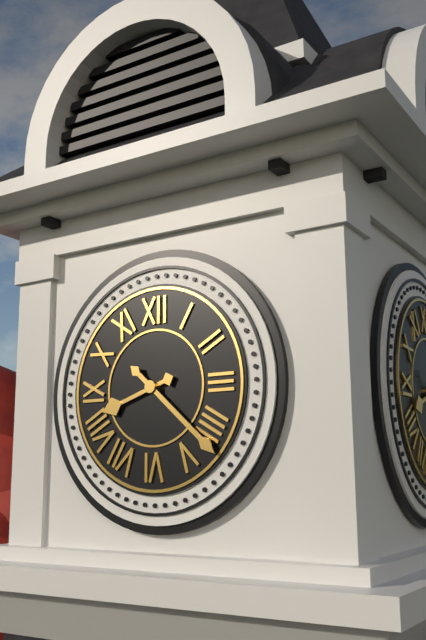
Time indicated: 8:22
